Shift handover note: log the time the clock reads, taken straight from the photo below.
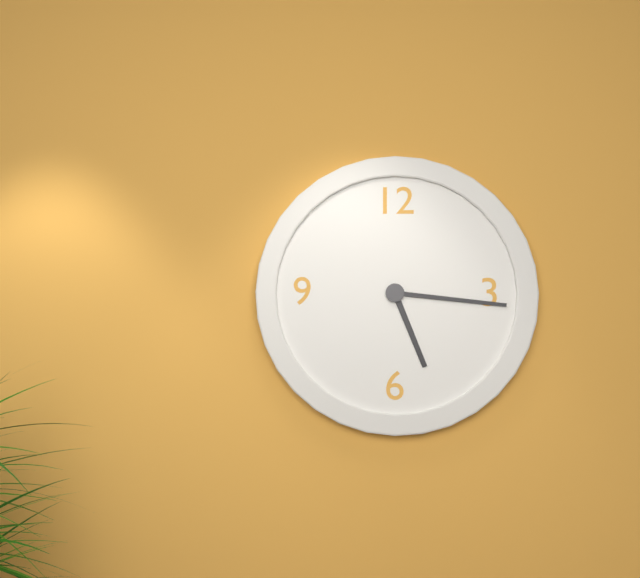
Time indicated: 5:16
